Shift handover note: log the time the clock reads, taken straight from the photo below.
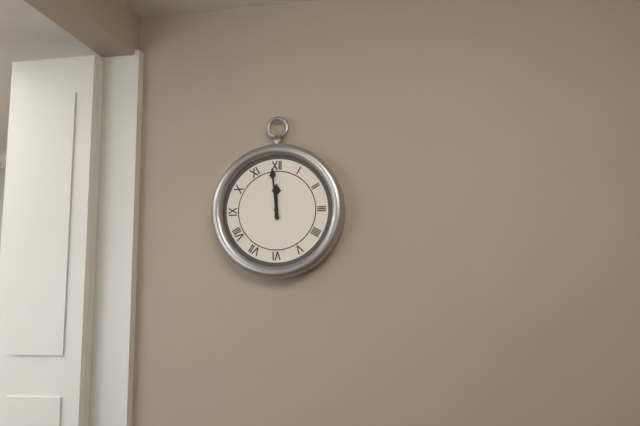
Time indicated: 11:59
